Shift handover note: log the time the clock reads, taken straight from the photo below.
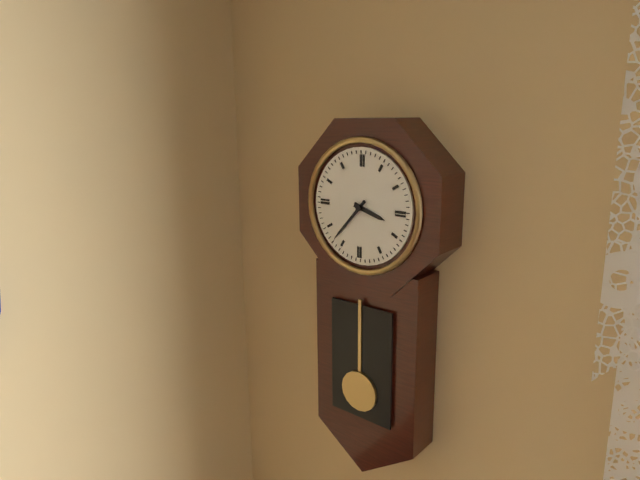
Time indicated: 3:37
